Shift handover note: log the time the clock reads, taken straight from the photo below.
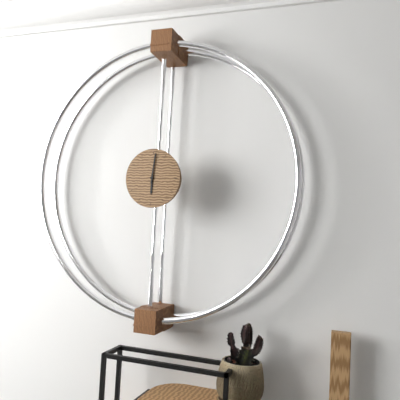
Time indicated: 6:01
